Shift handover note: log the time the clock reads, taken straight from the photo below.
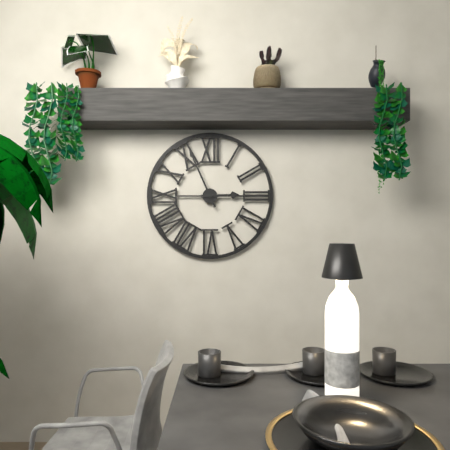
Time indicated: 2:56
